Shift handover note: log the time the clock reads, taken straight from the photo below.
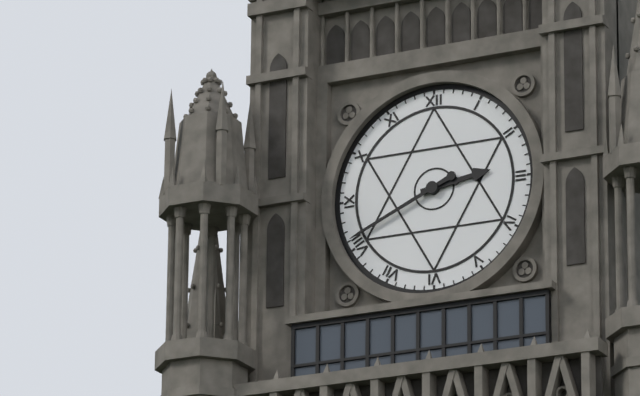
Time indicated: 2:41
